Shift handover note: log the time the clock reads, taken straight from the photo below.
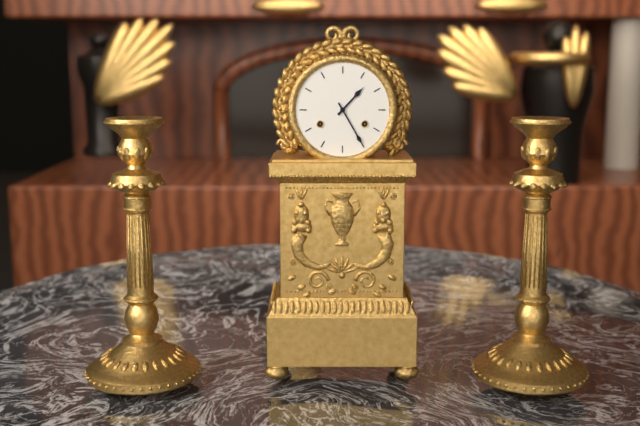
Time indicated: 1:25
